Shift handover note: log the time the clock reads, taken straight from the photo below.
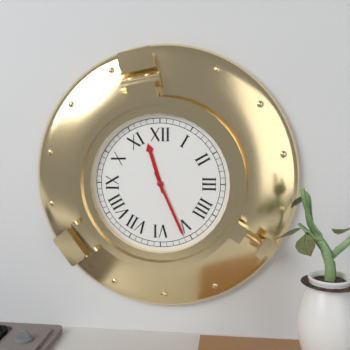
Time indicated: 11:26
